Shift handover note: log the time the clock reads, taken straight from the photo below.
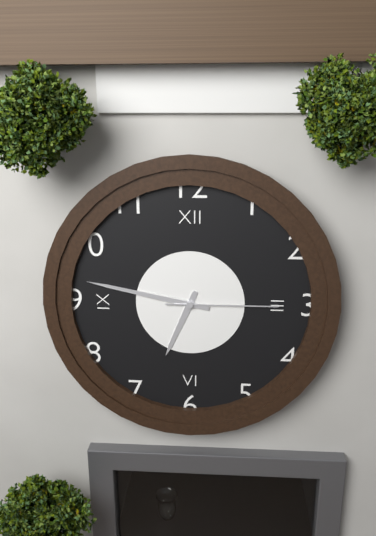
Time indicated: 6:47:15
